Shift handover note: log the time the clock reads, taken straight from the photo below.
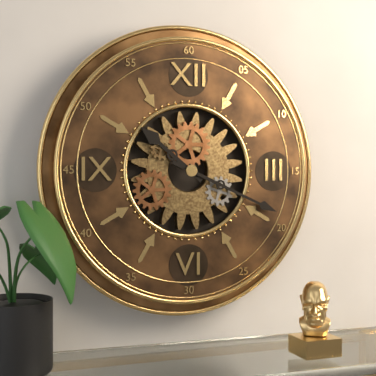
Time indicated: 10:19
